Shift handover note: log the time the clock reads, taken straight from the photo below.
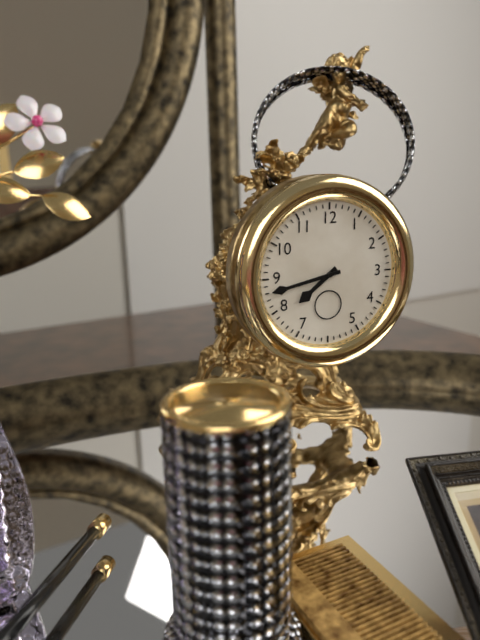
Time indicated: 7:43
